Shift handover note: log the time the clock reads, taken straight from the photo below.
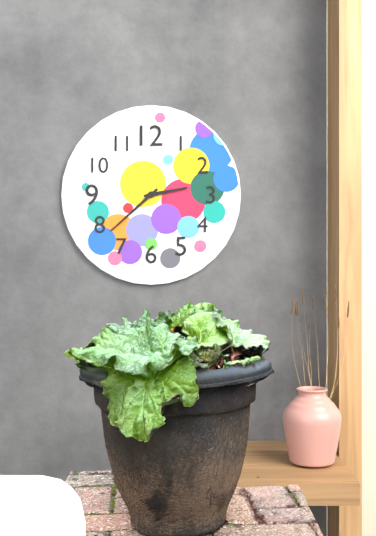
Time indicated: 2:38
